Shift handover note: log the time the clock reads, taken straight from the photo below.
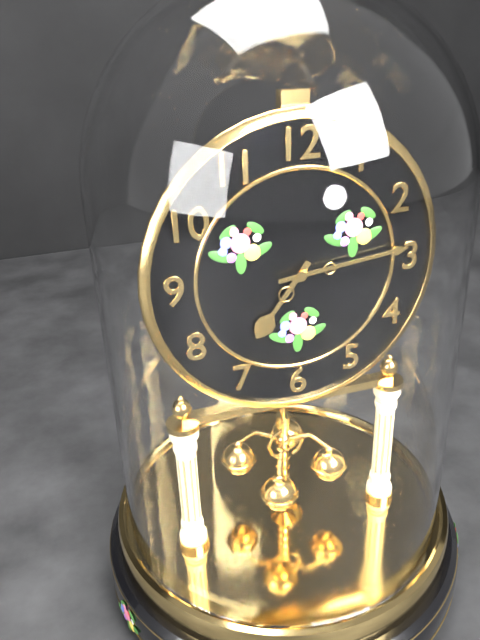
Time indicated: 7:14
